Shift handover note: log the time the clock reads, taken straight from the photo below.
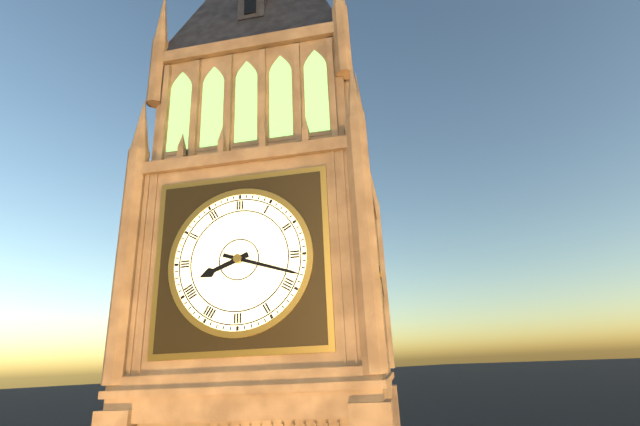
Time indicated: 8:18
